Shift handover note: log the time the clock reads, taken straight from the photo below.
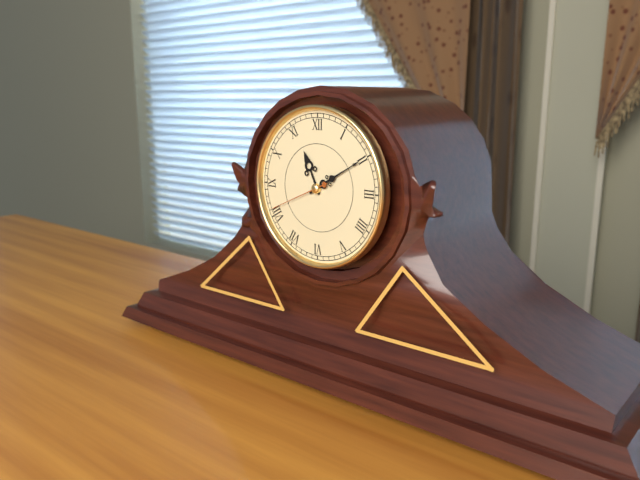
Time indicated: 11:10:41
